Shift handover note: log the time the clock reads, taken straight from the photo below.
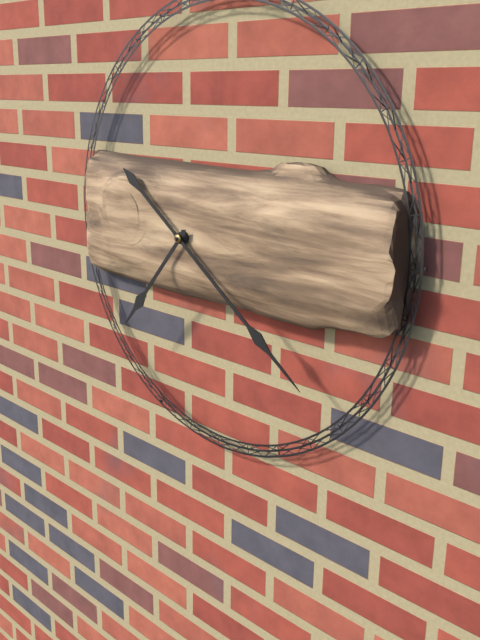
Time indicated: 7:21
